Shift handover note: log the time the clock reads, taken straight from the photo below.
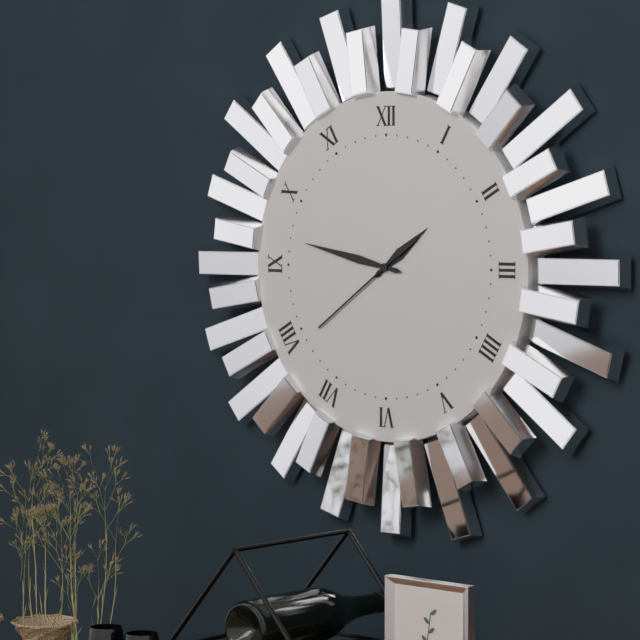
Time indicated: 1:47:39
